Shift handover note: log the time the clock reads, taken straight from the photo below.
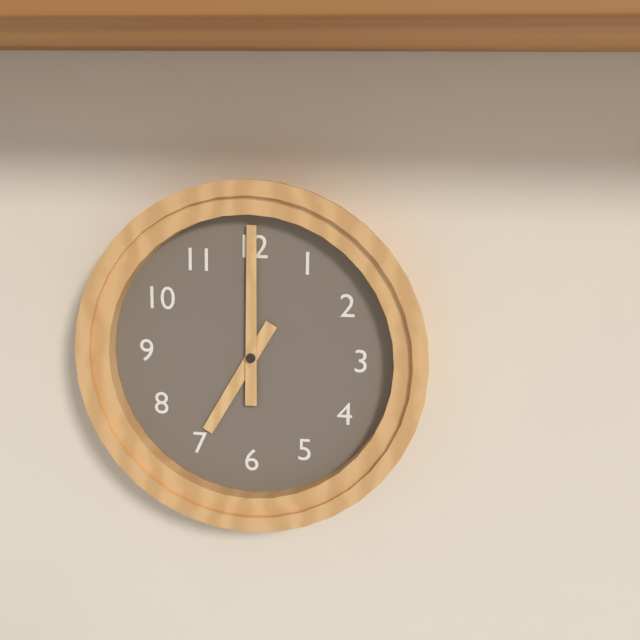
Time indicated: 7:00
